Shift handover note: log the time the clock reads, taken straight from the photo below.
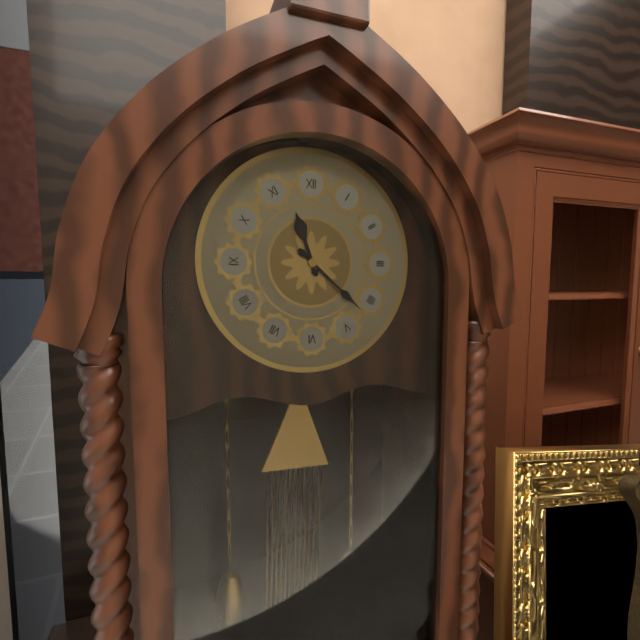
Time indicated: 11:22
